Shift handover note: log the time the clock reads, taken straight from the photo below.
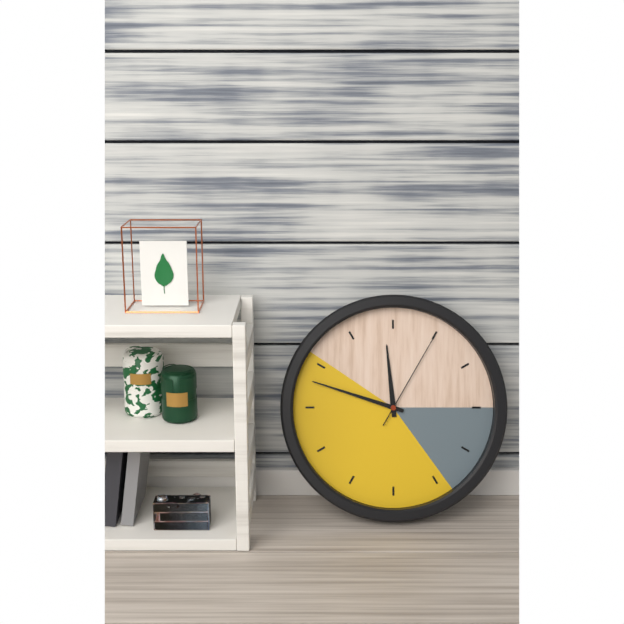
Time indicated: 11:48:05
